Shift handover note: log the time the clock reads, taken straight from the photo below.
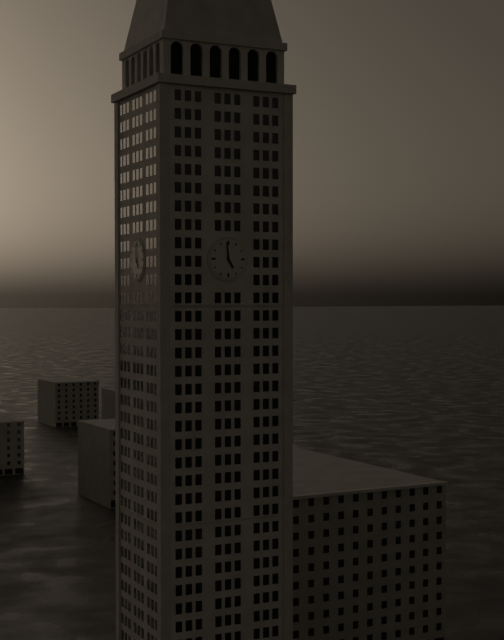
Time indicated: 4:59
